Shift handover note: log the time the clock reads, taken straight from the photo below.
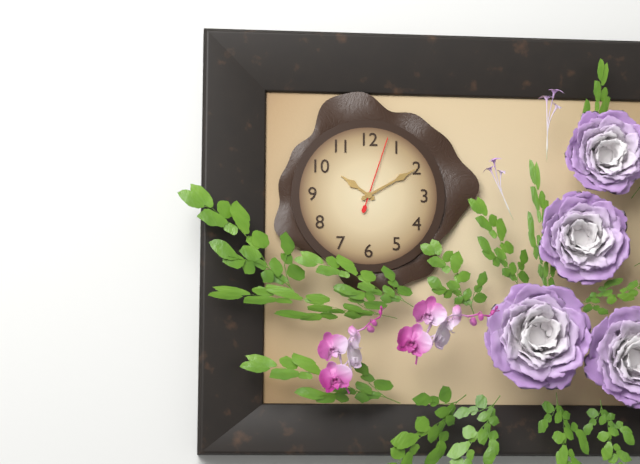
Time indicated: 10:10:03
